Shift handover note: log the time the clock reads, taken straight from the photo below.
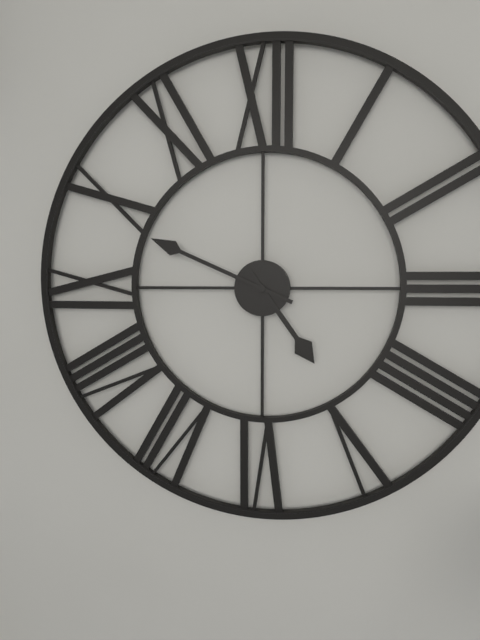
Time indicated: 4:49
